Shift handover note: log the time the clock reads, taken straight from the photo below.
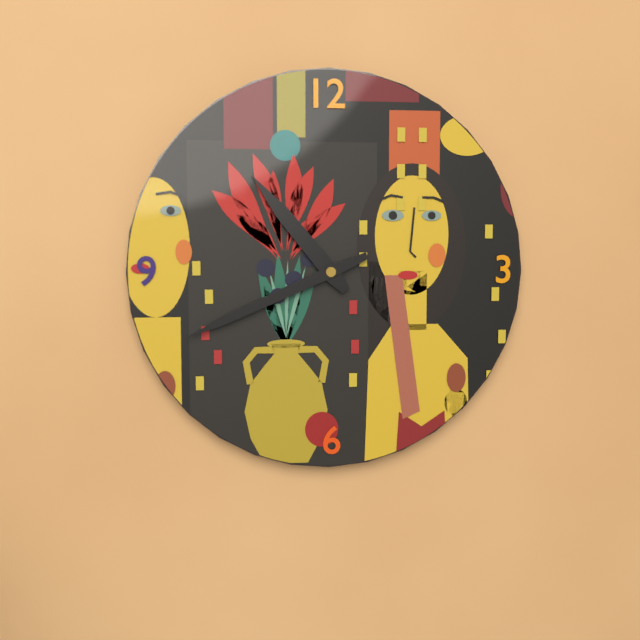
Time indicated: 10:41
